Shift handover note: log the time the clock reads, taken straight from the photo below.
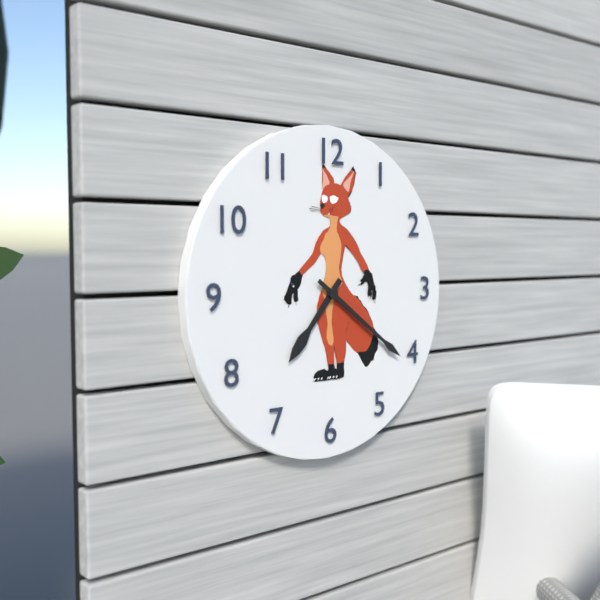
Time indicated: 7:21
